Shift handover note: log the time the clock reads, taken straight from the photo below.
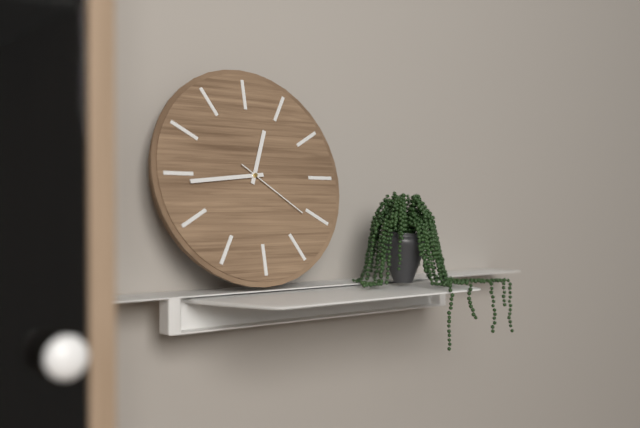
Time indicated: 12:44:21
